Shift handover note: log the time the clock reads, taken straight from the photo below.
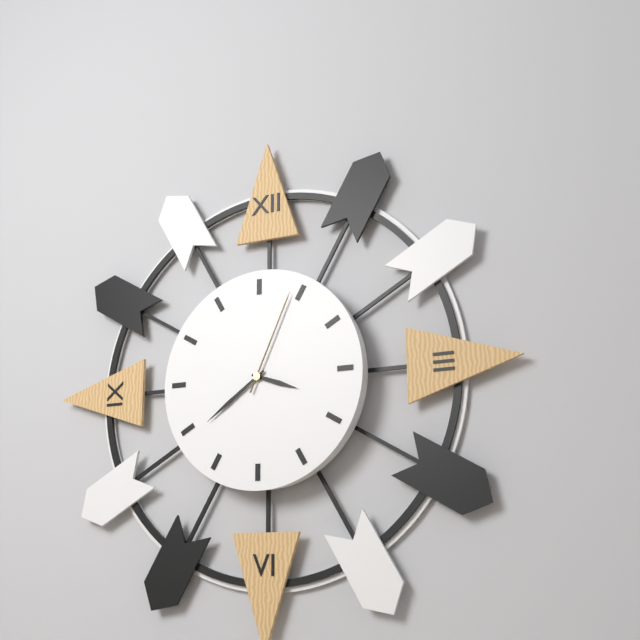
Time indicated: 3:39:04
